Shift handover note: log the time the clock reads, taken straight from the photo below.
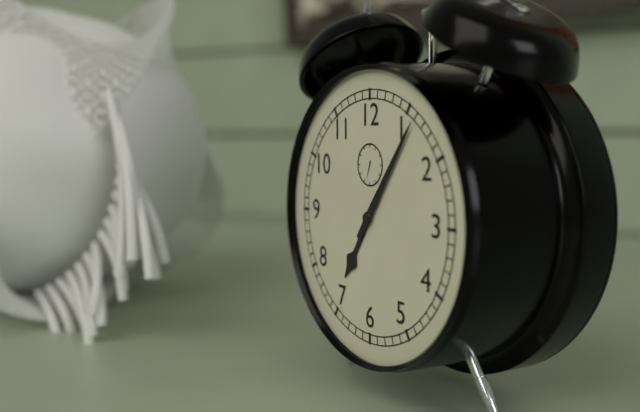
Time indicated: 7:06
